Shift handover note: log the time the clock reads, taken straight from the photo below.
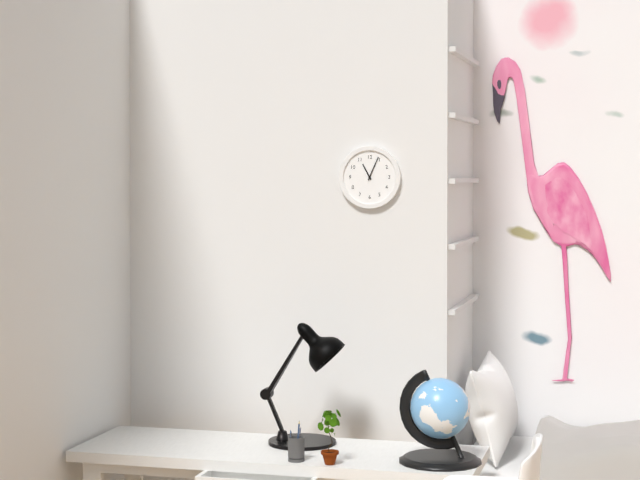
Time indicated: 11:04
